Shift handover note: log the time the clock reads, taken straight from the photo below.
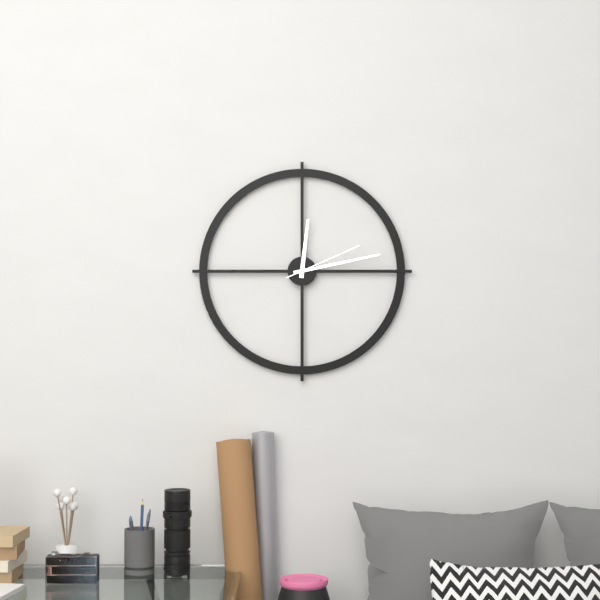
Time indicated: 12:13:11
